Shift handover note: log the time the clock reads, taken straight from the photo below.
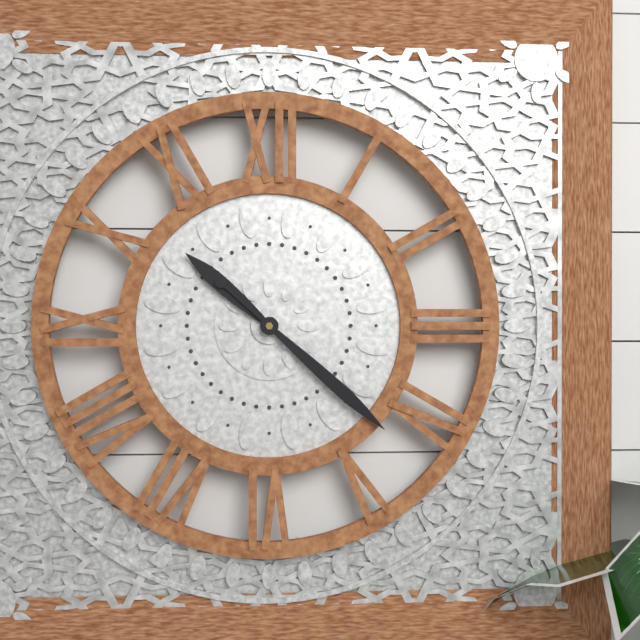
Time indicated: 10:22
